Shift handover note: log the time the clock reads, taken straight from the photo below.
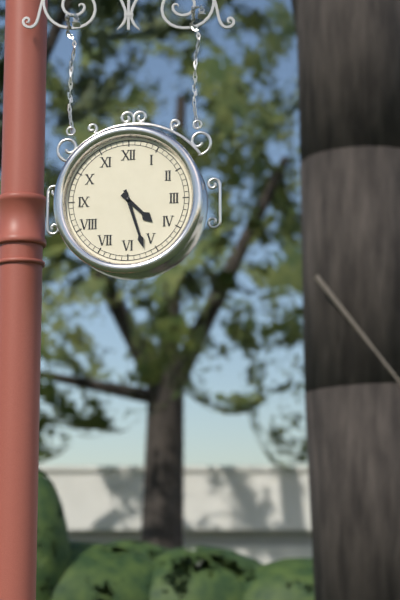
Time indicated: 4:27
